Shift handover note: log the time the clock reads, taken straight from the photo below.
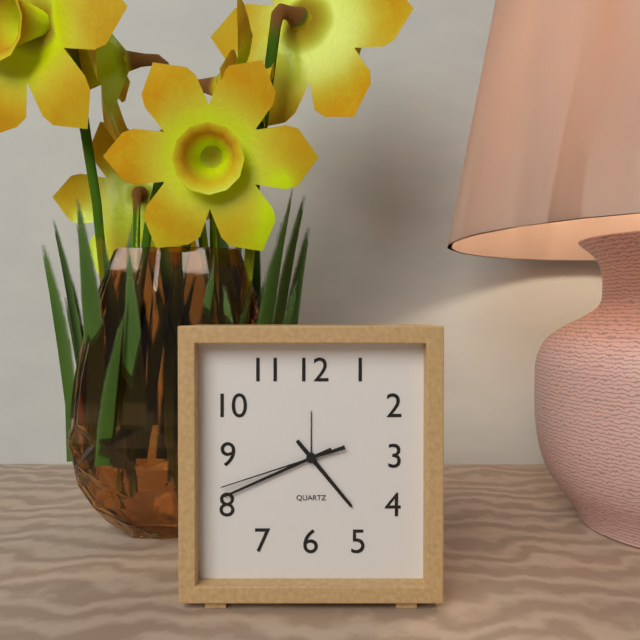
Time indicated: 4:41:42
